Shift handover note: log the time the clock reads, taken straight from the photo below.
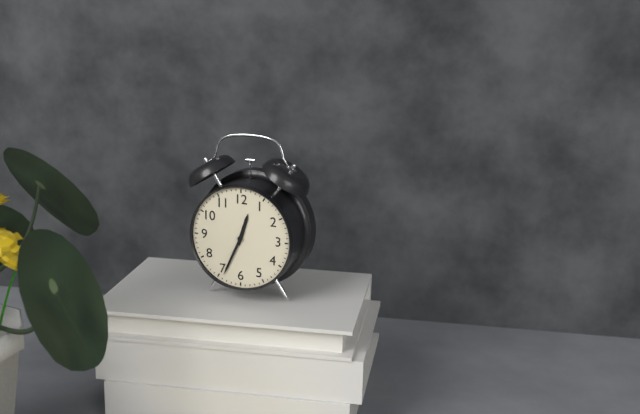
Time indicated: 12:34
